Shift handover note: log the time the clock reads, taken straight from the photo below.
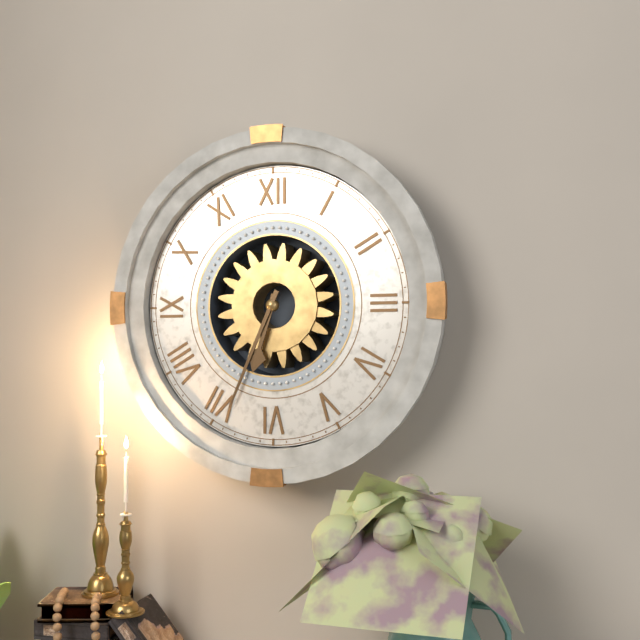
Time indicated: 6:34
